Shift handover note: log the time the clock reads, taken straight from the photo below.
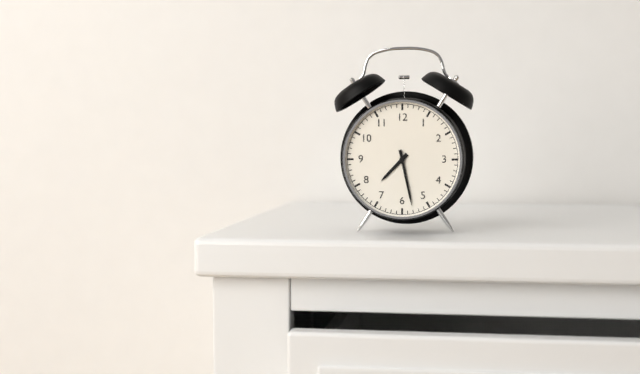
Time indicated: 7:28
